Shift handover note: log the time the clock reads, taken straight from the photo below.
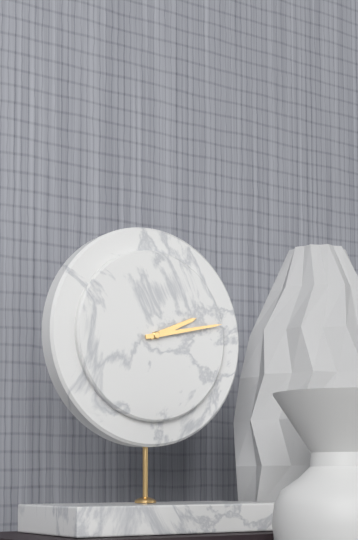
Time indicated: 2:13
